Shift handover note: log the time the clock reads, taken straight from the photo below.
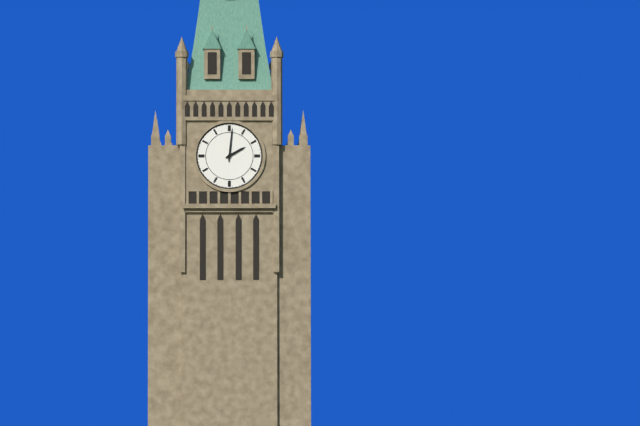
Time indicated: 2:01
